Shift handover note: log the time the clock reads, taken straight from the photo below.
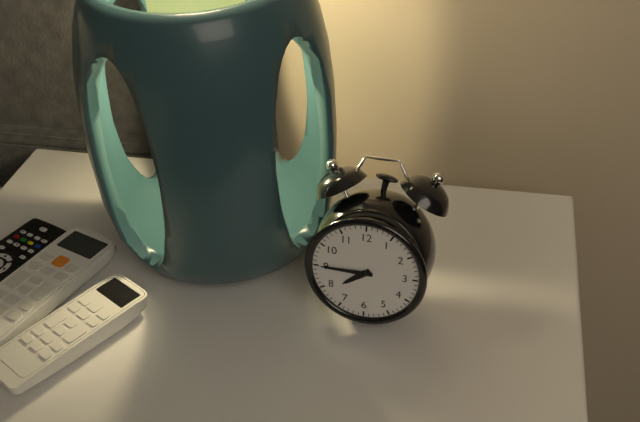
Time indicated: 7:45
